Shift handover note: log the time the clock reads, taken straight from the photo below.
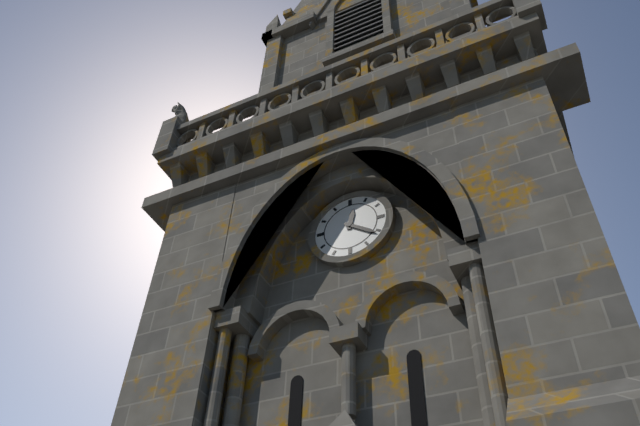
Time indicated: 12:21
